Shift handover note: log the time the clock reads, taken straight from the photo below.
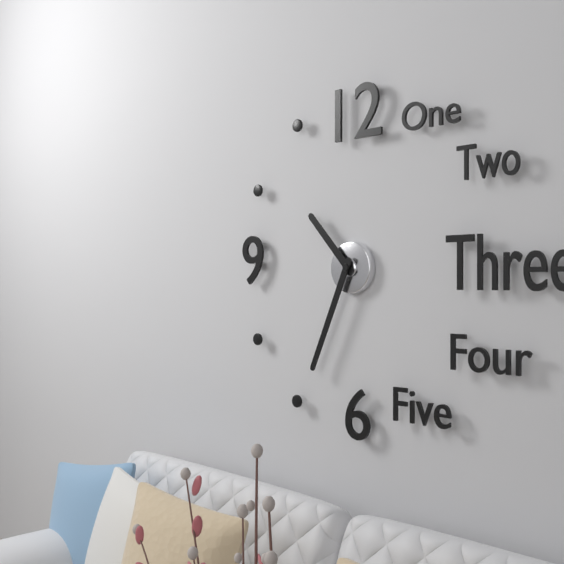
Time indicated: 10:34
